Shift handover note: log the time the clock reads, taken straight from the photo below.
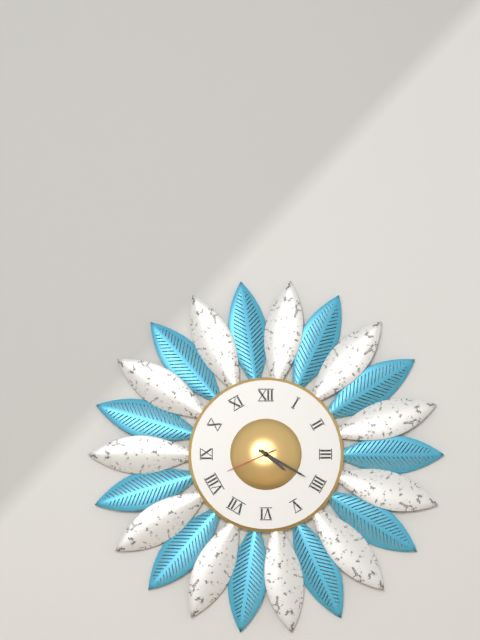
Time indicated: 4:20:41
